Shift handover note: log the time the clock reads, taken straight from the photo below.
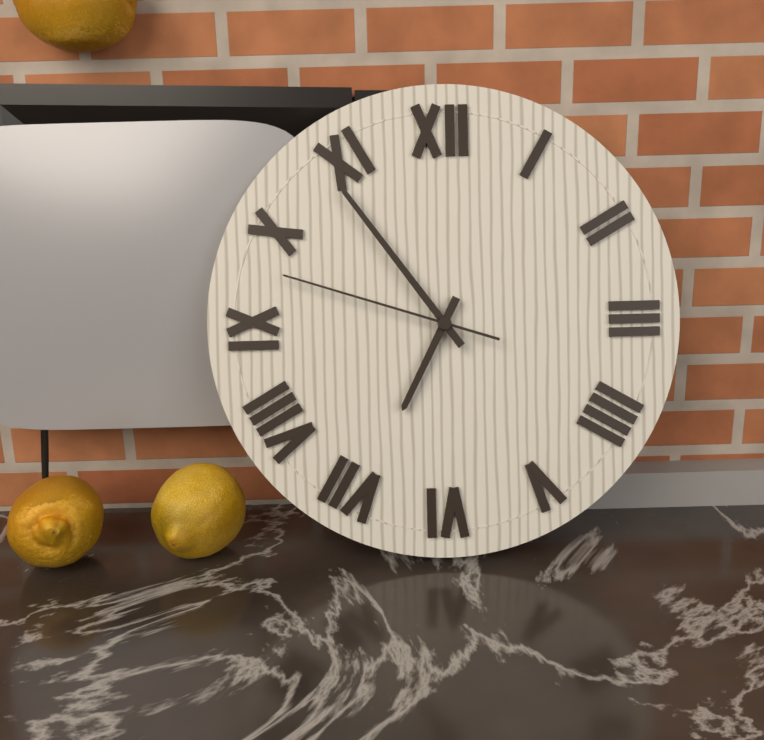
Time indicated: 6:54:48
